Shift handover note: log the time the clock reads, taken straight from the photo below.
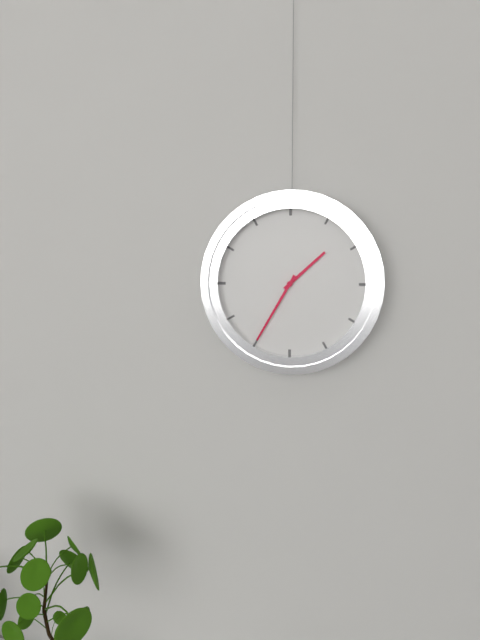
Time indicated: 1:35
